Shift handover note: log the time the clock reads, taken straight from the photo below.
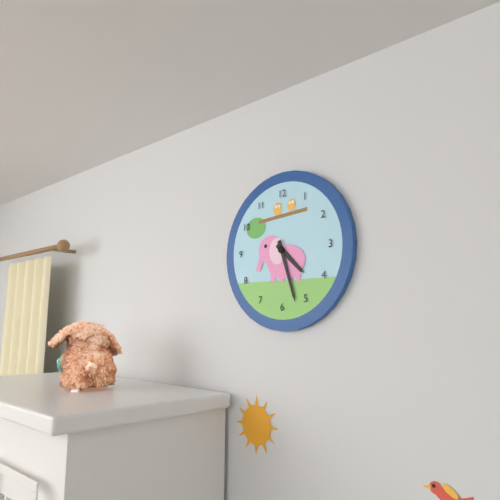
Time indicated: 4:27
